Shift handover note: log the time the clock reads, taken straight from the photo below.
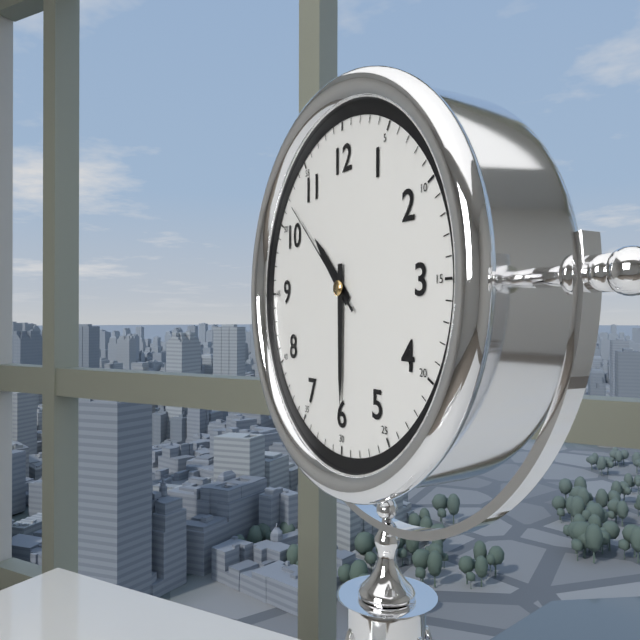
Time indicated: 10:30:52
